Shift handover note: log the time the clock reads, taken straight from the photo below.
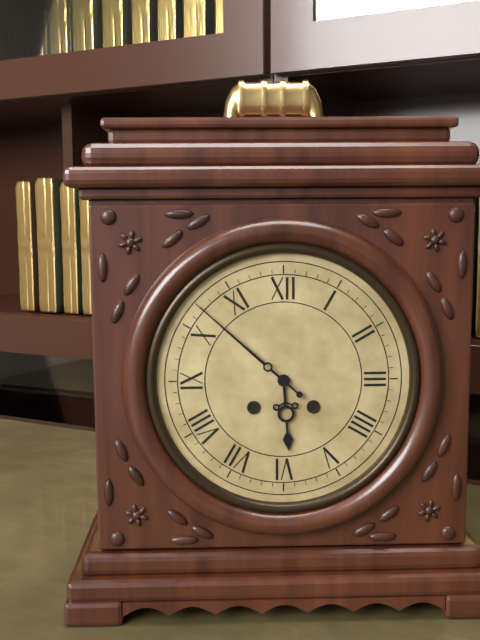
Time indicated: 5:52
